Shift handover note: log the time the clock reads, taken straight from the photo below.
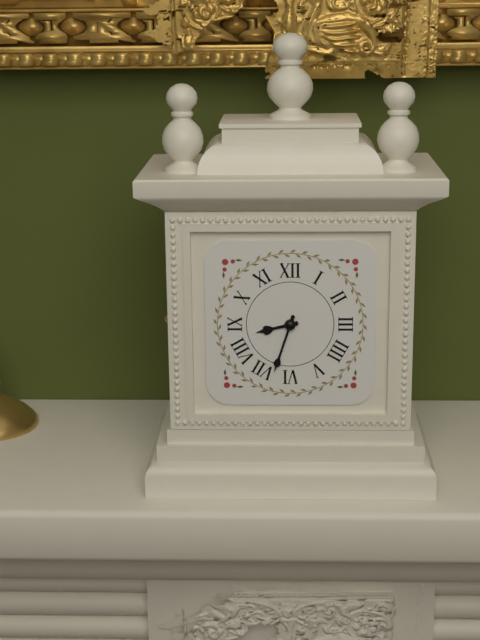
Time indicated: 8:33
